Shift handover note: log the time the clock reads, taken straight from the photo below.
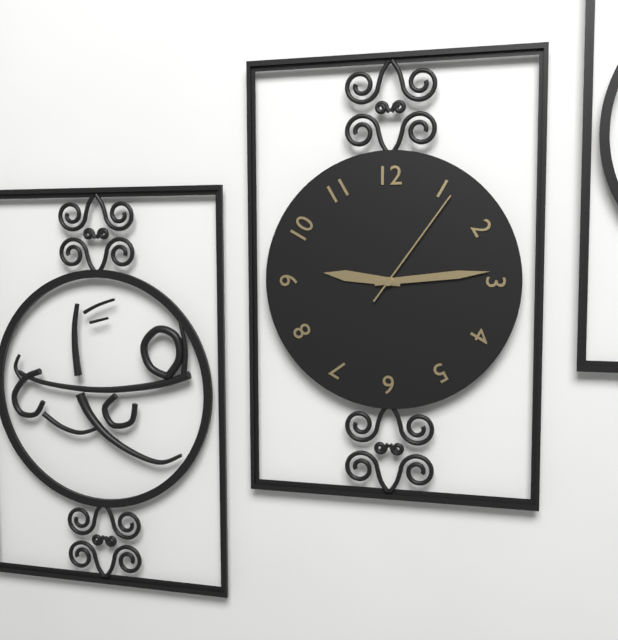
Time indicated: 9:14:06
